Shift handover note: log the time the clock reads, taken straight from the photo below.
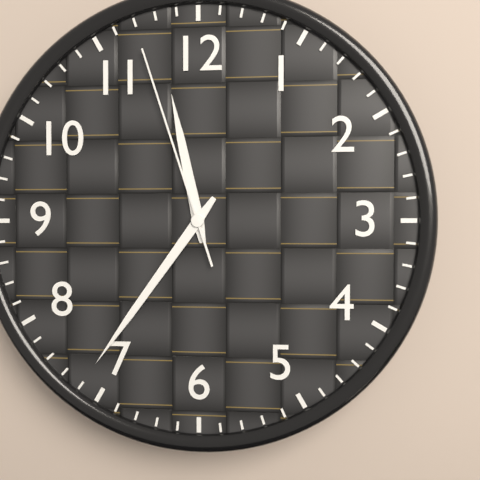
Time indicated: 11:36:57
